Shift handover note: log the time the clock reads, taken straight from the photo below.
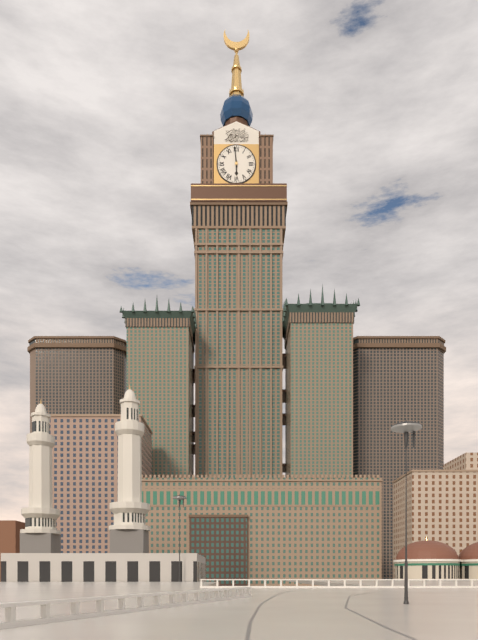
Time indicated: 5:59
